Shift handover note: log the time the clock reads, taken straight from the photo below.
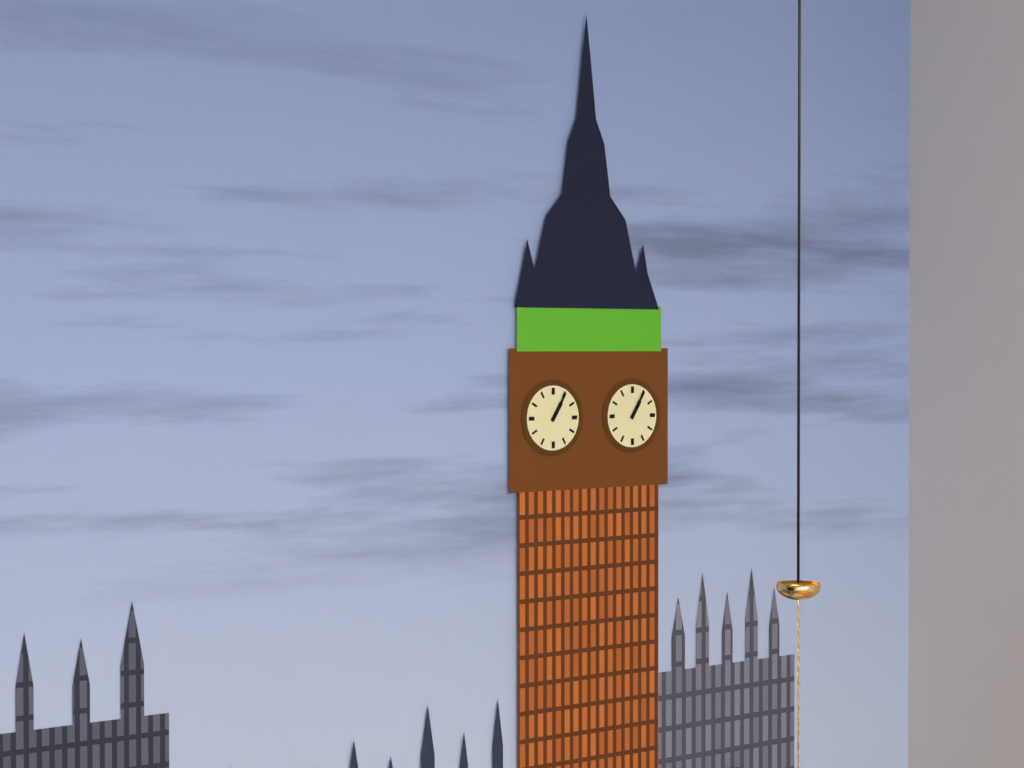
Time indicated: 1:05
